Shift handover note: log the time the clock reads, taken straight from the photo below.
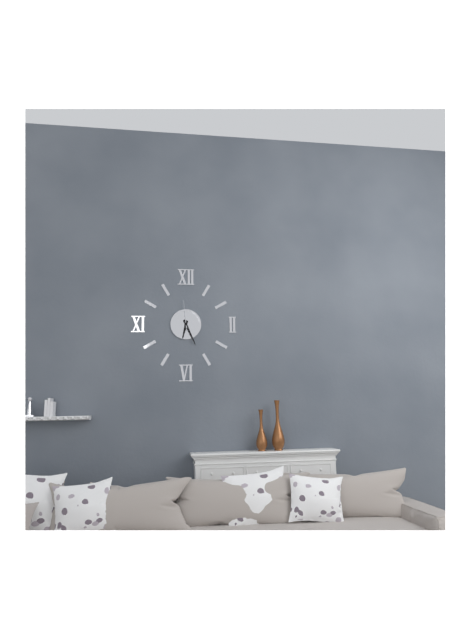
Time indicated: 6:26
